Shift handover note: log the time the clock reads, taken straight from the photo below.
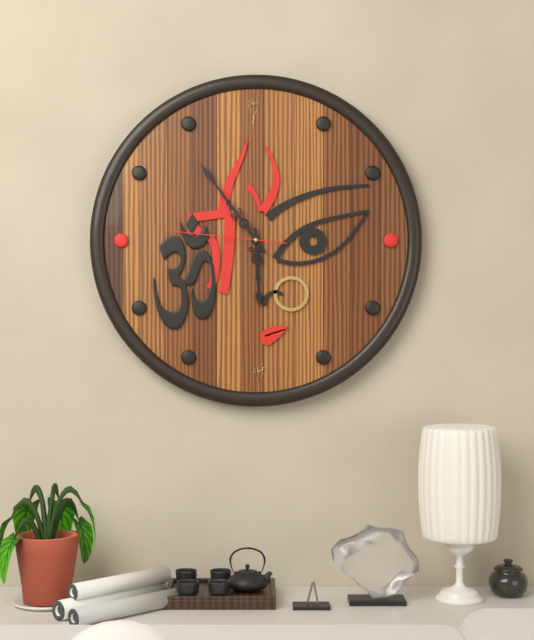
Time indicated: 5:54:46
